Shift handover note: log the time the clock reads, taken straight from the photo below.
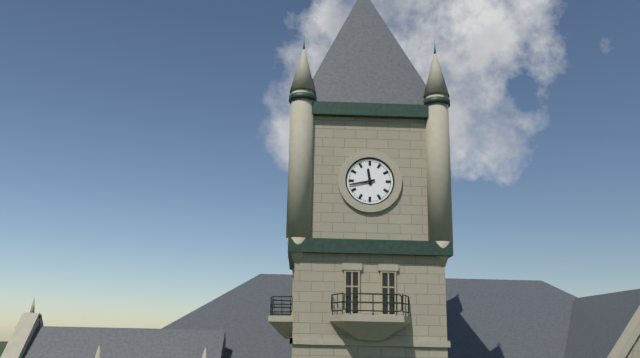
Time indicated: 11:43
